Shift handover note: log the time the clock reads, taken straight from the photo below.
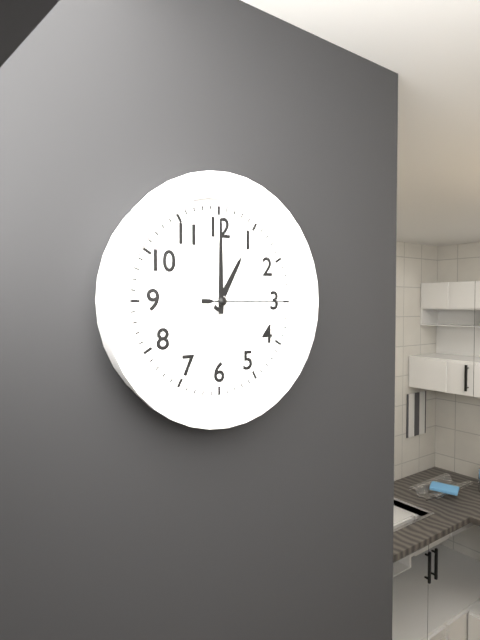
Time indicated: 1:00:15
